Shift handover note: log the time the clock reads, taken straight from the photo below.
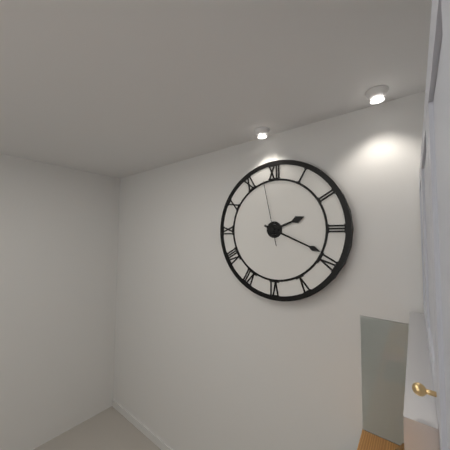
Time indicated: 2:19:58
